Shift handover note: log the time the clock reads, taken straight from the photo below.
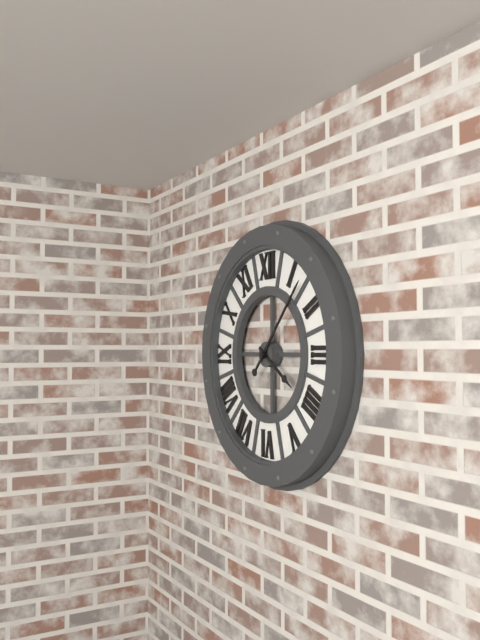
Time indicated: 4:07
